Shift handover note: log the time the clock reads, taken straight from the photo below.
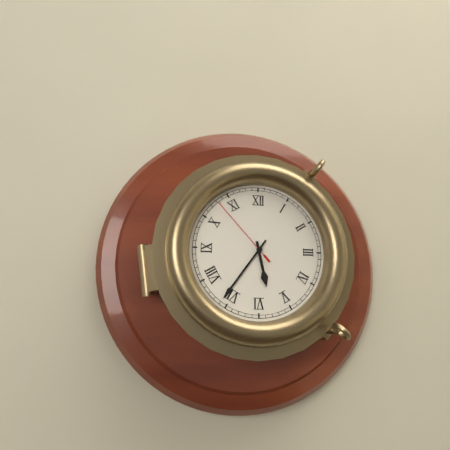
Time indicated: 5:36:53
